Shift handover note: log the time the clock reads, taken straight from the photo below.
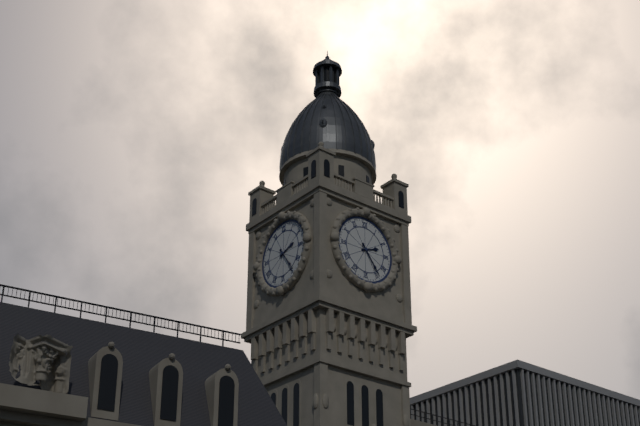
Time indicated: 2:24
